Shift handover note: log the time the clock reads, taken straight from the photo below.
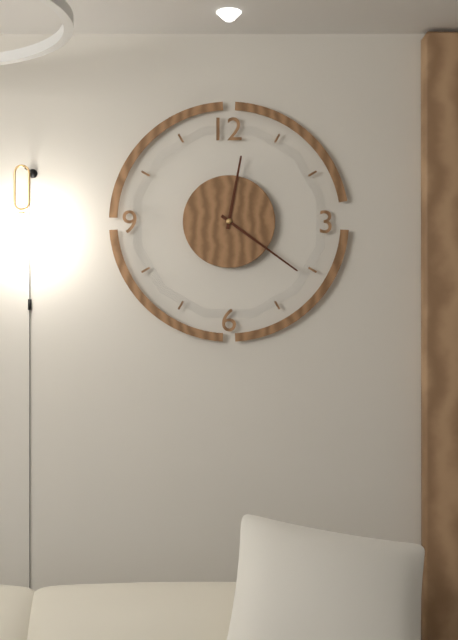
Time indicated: 12:21
